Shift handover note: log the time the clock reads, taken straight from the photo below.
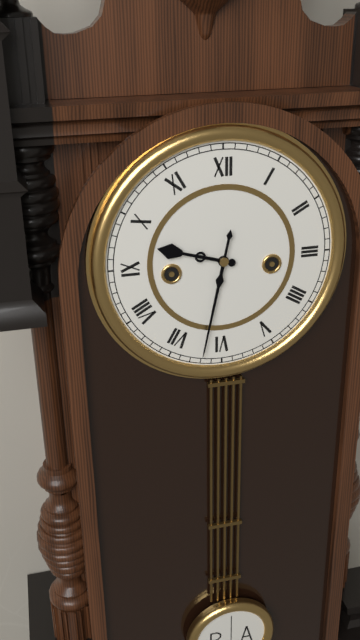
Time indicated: 9:32
